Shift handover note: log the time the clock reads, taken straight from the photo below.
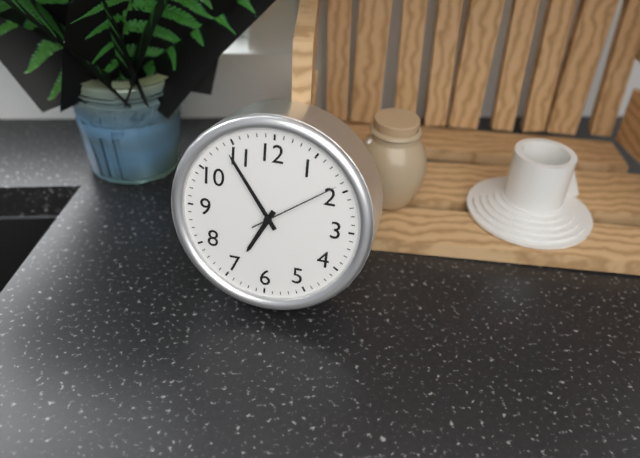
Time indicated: 6:54:09
